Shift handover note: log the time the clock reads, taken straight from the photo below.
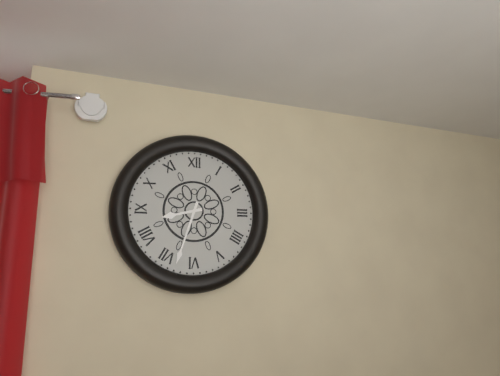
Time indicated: 8:33
